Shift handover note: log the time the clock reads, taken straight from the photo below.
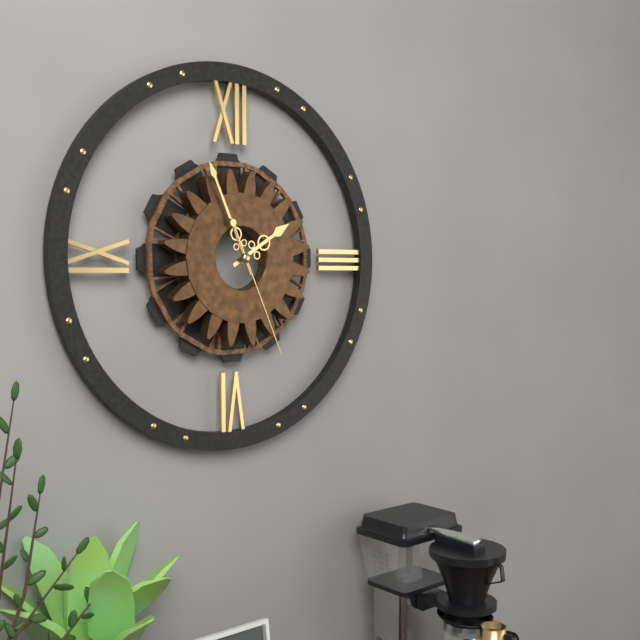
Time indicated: 1:56:26
